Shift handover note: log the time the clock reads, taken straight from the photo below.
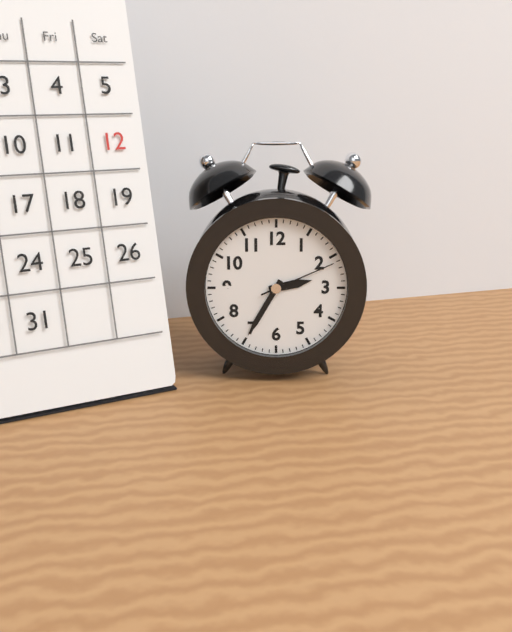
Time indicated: 2:35:11
